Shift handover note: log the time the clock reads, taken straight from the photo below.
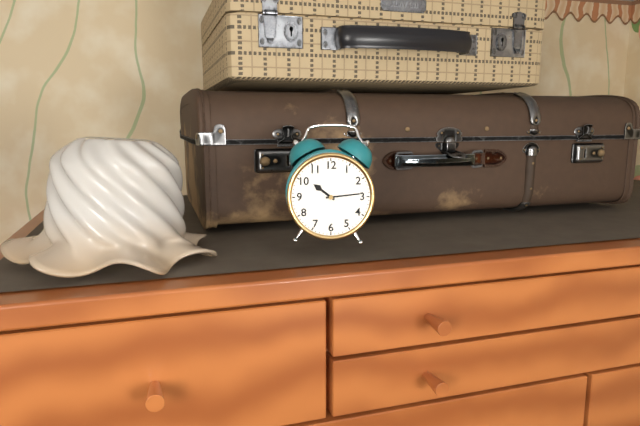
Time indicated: 10:14
